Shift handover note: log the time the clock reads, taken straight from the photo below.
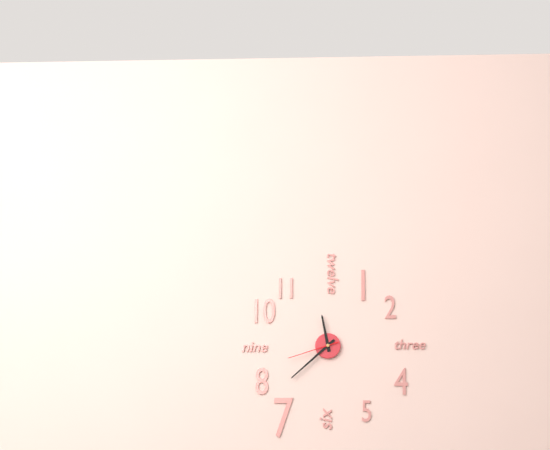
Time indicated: 11:38:42
